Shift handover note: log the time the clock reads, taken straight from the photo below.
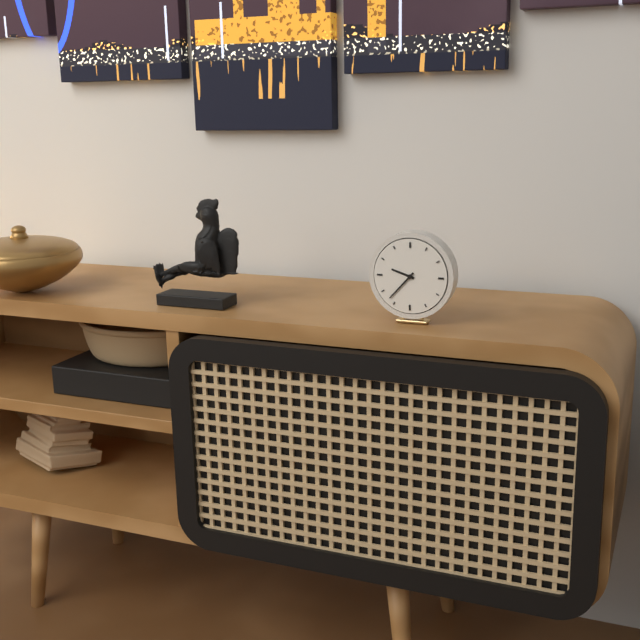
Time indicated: 9:37
